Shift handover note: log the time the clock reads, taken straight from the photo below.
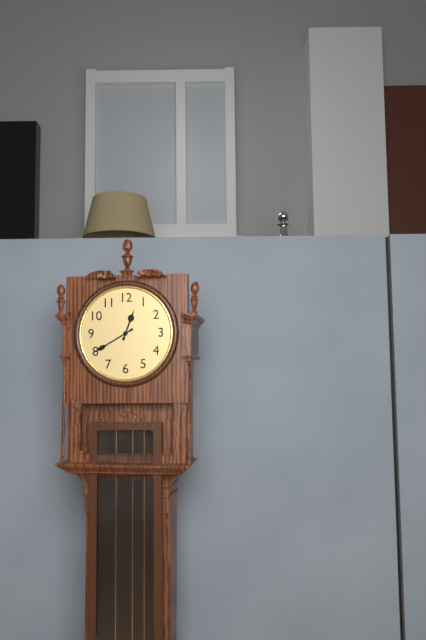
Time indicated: 12:40
